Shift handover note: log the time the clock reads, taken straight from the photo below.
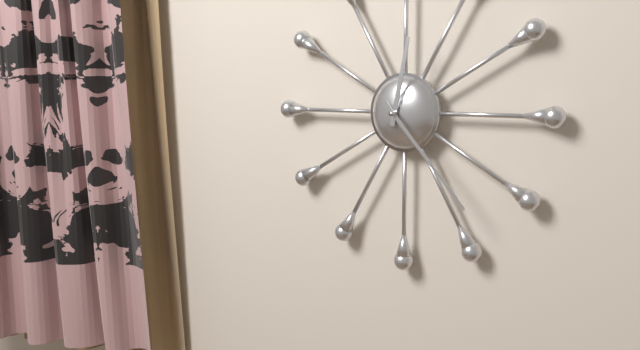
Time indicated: 12:23
